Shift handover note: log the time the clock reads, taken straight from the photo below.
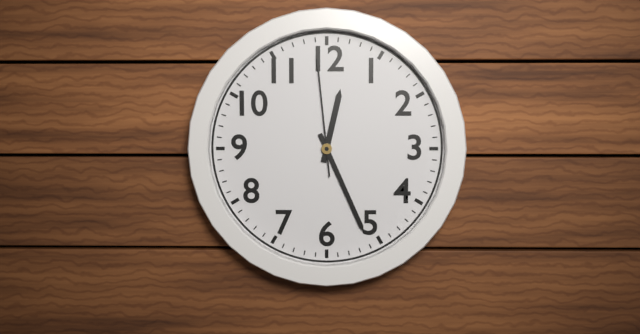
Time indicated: 12:26:59
